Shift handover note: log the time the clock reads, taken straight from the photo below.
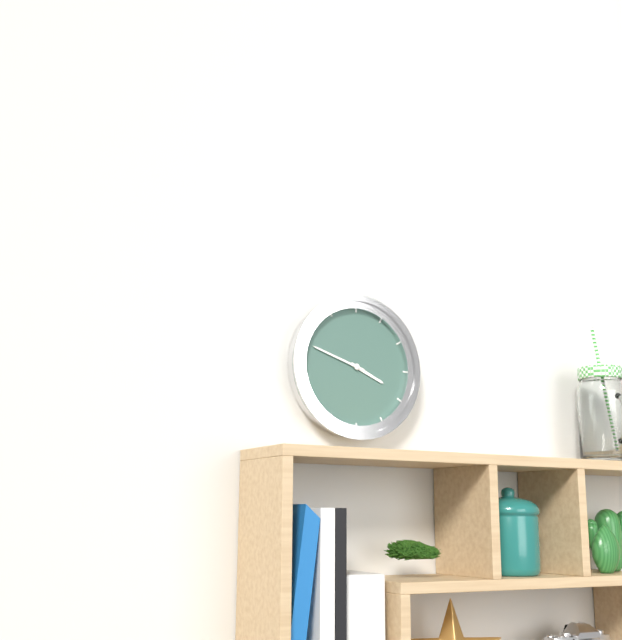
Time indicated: 3:48
